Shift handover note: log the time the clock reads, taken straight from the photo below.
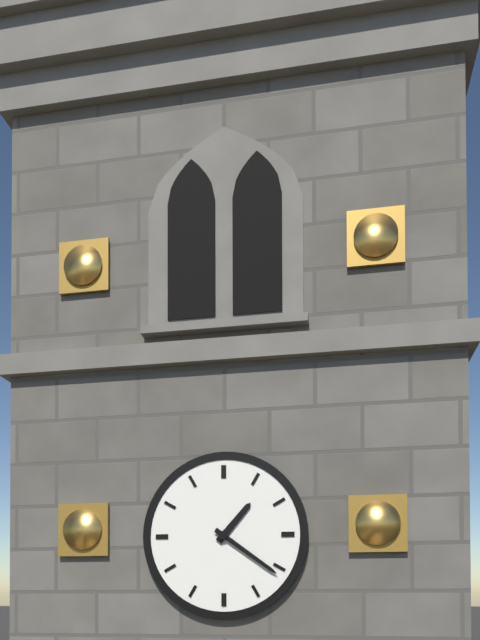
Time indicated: 1:21
